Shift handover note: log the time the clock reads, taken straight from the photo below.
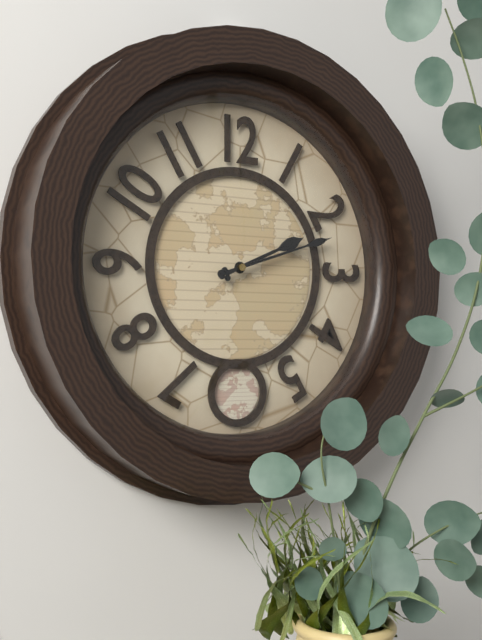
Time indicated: 2:12
